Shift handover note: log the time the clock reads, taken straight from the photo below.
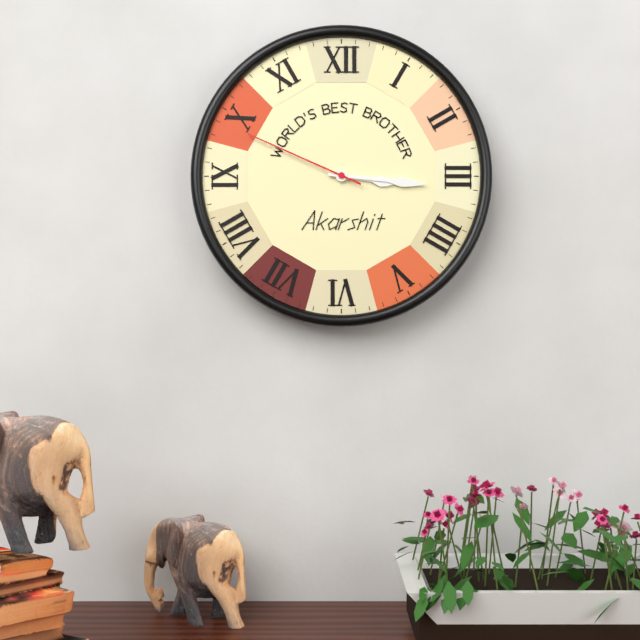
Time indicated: 3:16:49
